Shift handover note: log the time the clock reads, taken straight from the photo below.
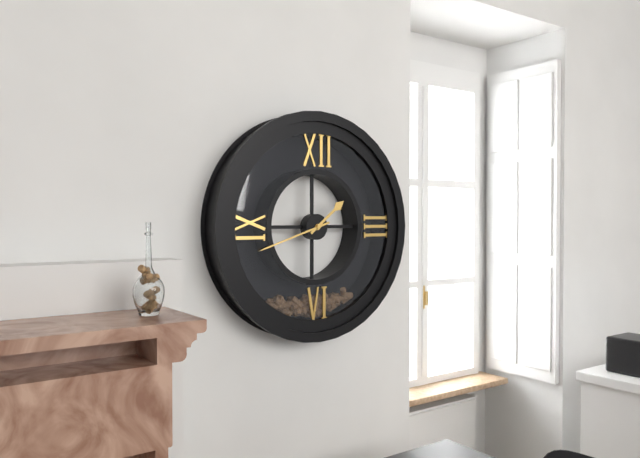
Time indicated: 1:42
